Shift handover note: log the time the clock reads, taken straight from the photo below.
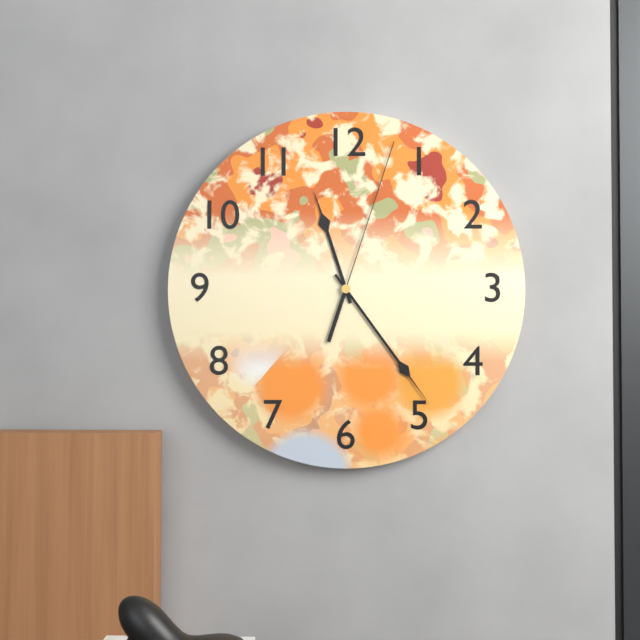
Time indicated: 11:24:03
